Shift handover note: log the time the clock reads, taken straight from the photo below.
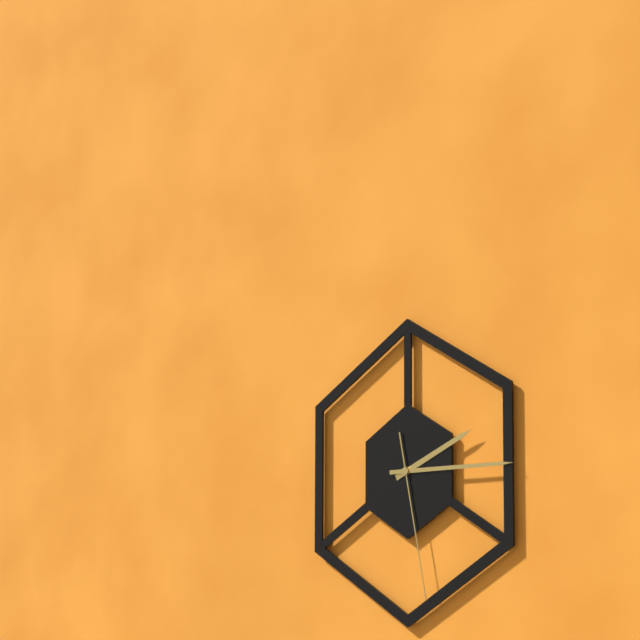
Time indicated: 2:15:28
